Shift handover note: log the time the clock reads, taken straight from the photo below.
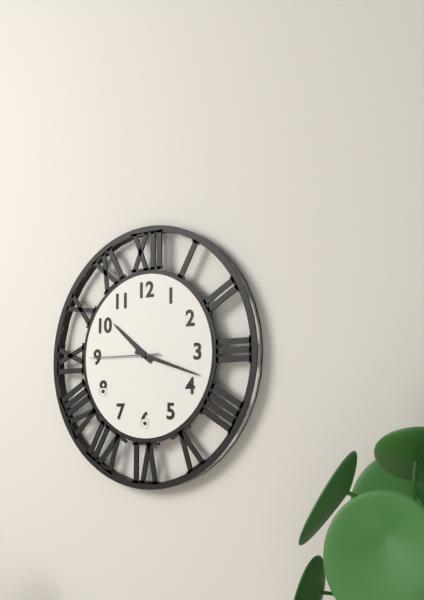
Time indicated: 10:18:45
